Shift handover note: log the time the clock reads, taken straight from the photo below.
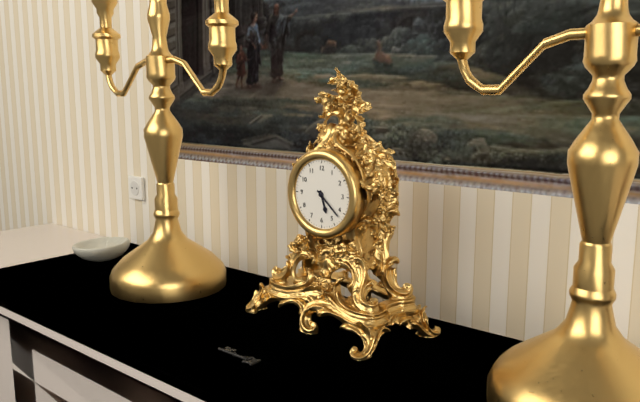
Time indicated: 5:22
